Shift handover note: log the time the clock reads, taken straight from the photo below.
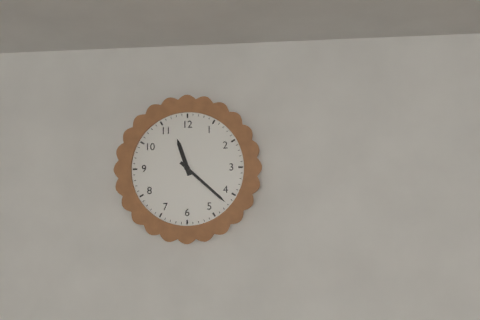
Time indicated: 11:22
